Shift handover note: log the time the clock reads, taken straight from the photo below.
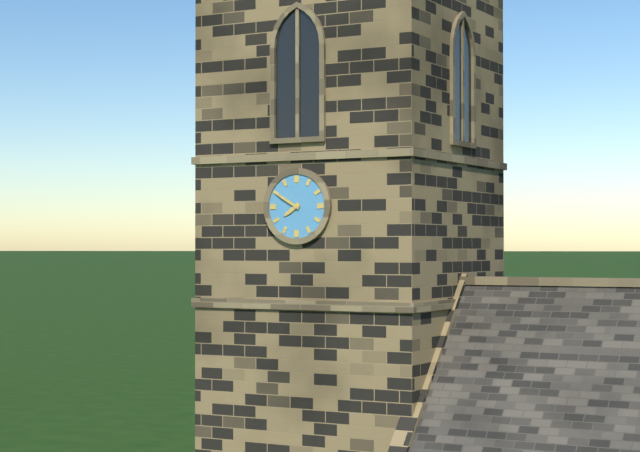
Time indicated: 7:50
